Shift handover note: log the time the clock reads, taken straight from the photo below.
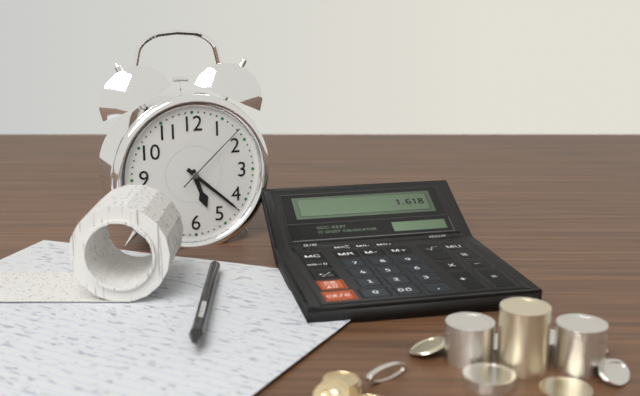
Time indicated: 5:22:08
